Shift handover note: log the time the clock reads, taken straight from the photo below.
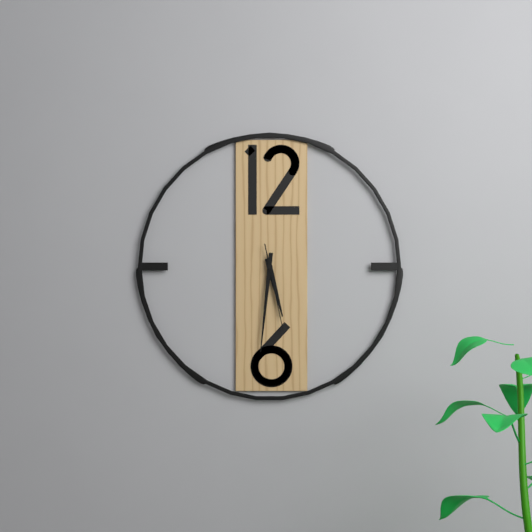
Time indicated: 5:31:28
